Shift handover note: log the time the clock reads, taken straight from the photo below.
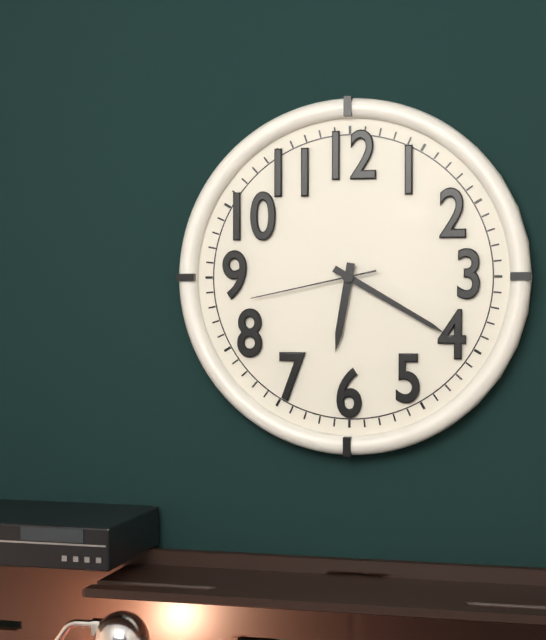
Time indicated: 6:20:43
